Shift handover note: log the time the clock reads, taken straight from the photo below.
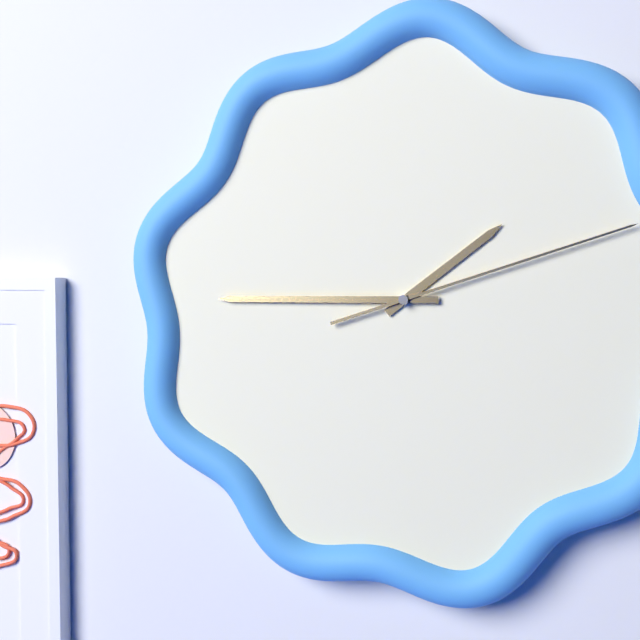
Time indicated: 1:45:12
